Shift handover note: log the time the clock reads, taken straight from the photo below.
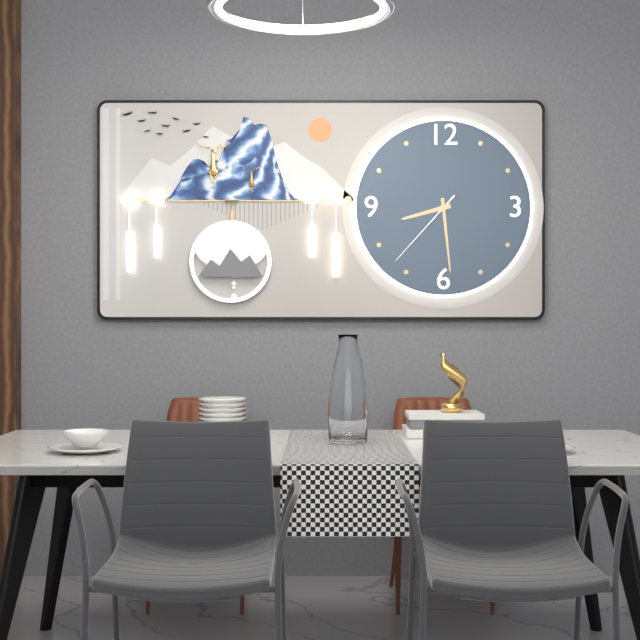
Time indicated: 8:29:37
